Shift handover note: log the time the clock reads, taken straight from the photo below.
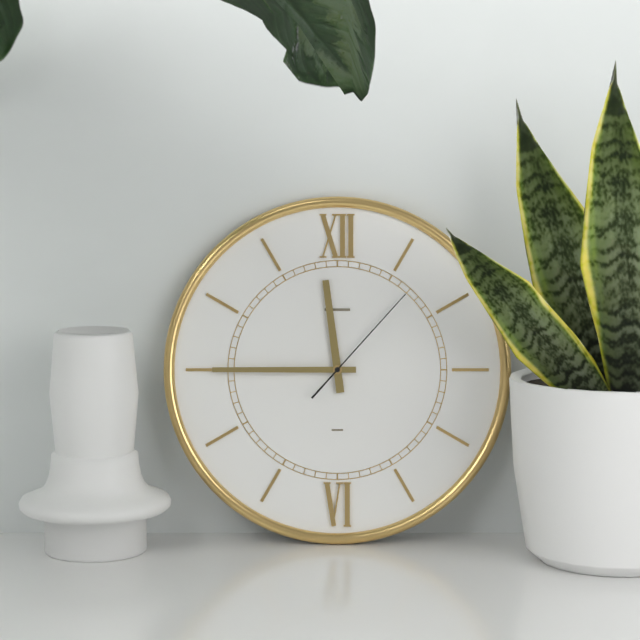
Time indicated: 11:45:07
